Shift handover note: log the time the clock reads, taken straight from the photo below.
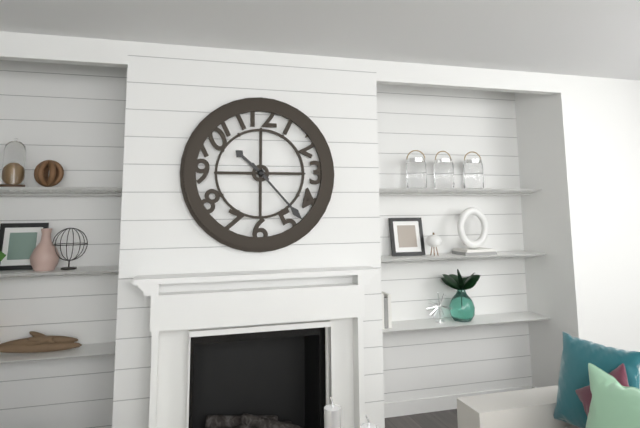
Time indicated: 10:23
